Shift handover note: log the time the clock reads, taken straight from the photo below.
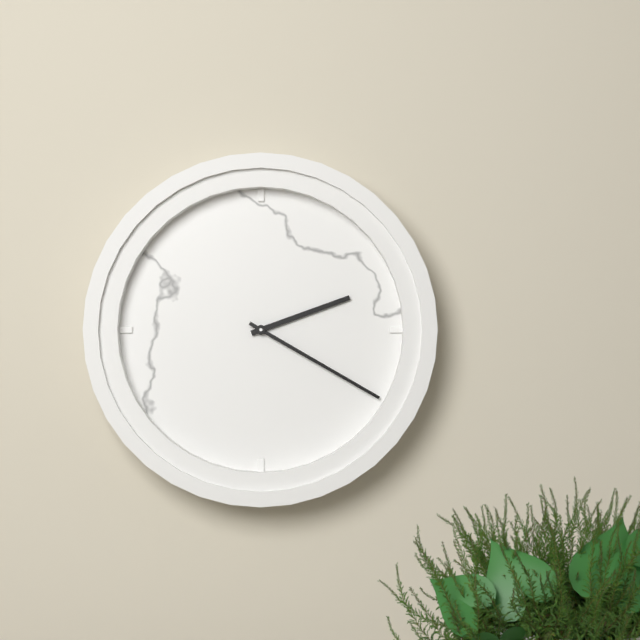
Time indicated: 2:20
